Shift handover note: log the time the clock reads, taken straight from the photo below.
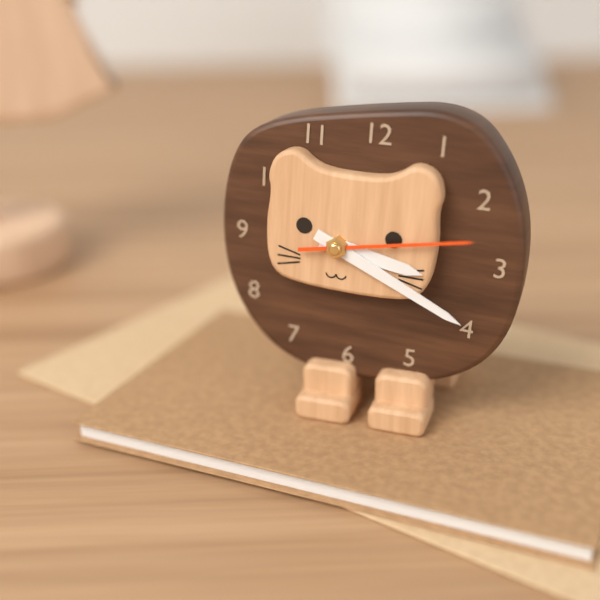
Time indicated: 3:19:13
